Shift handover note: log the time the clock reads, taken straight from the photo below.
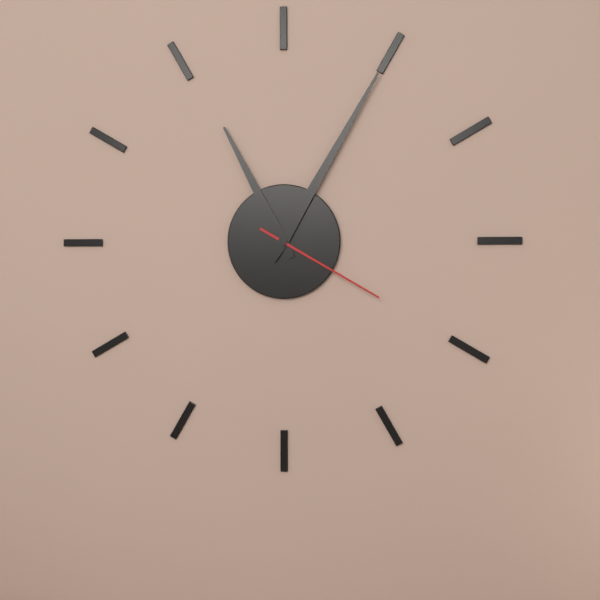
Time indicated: 11:05:20
